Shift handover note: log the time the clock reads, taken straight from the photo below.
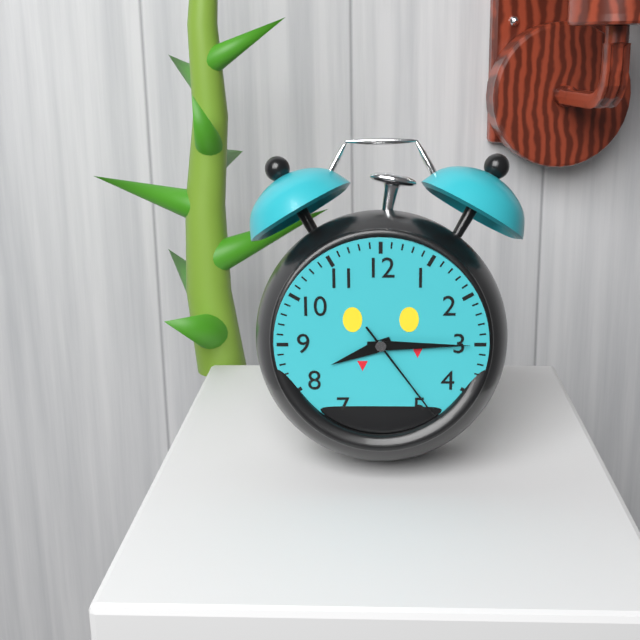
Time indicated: 8:15:24
